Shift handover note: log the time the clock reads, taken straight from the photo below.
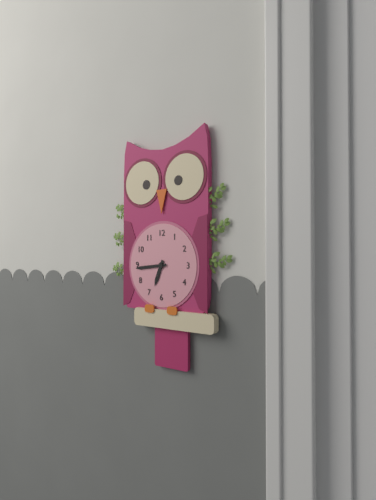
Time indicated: 6:44
